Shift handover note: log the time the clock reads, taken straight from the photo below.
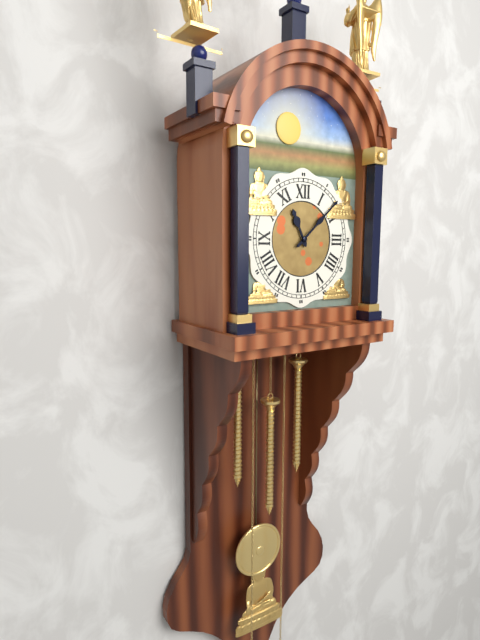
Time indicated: 11:08
